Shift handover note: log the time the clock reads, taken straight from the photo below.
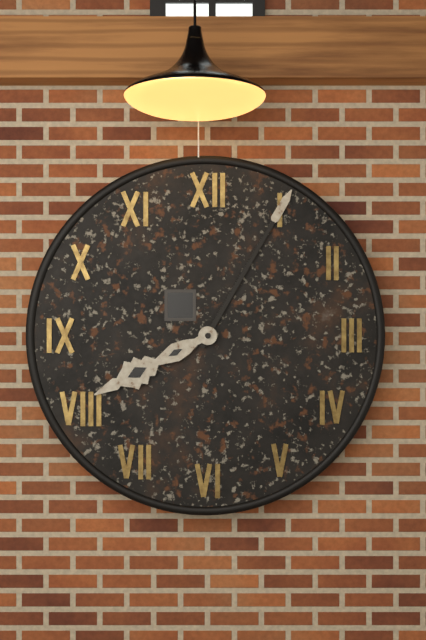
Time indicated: 8:05
